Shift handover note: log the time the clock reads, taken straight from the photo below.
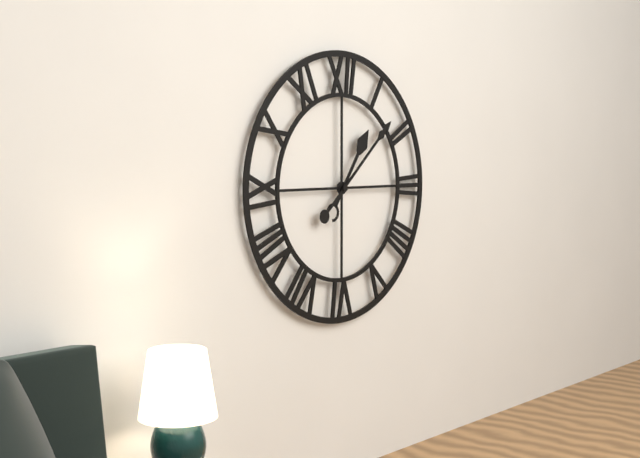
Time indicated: 1:08
